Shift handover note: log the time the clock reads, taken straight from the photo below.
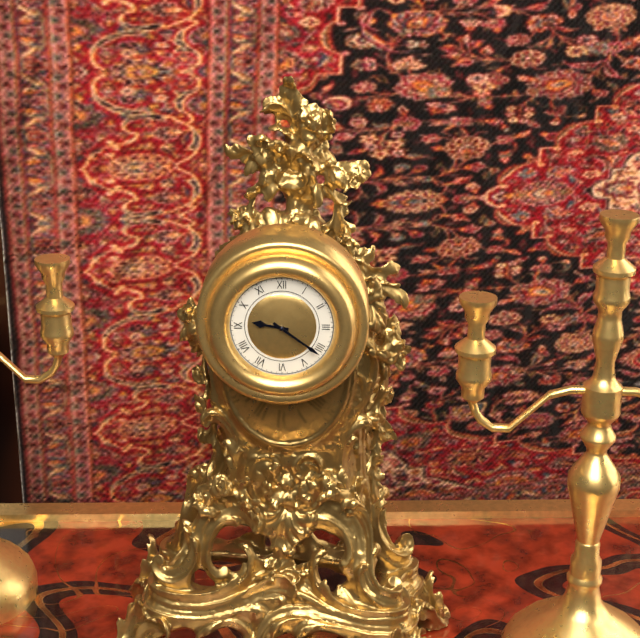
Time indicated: 9:21
